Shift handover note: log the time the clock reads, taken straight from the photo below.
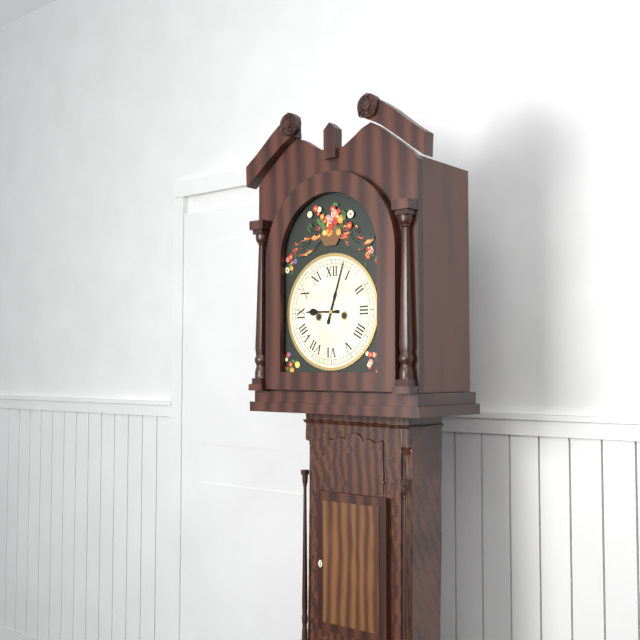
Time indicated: 9:03
